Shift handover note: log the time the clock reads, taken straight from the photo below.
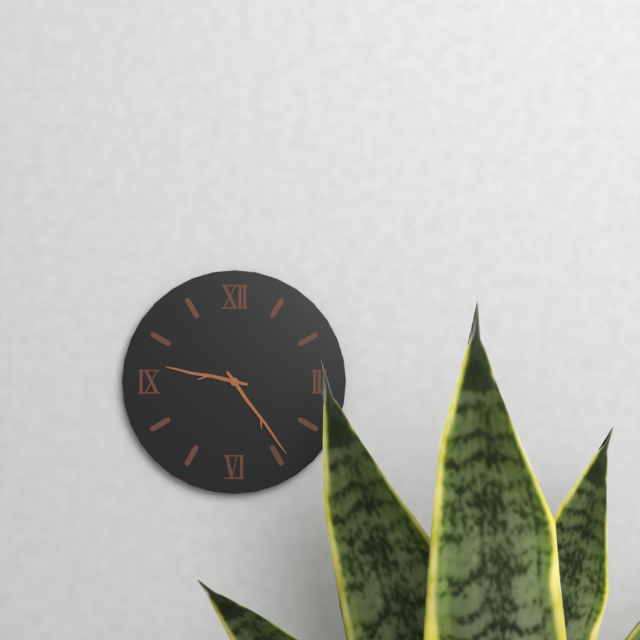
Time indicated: 9:24
